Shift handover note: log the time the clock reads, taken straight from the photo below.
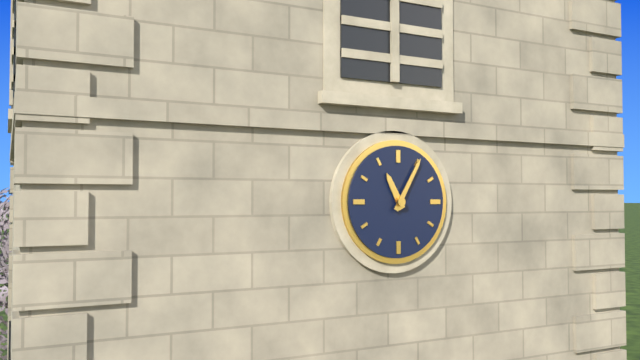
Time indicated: 11:05
